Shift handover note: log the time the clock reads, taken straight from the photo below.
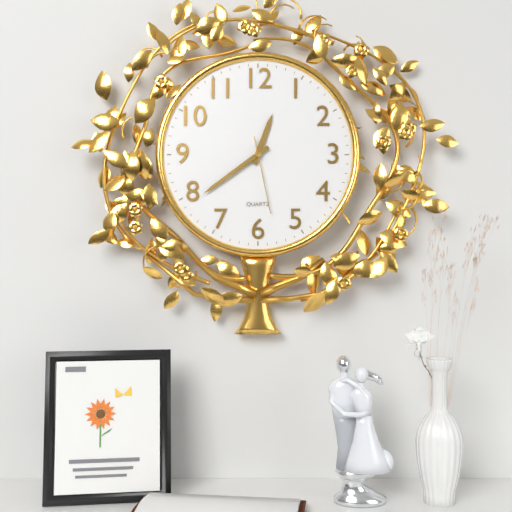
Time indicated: 12:39:28
